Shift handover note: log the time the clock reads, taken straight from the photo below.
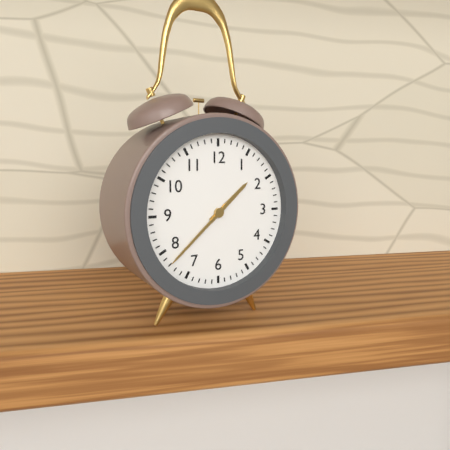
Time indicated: 1:38
